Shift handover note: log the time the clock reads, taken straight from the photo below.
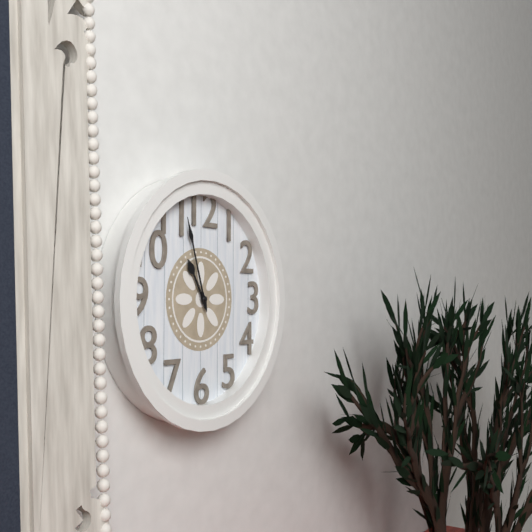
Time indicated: 10:57
